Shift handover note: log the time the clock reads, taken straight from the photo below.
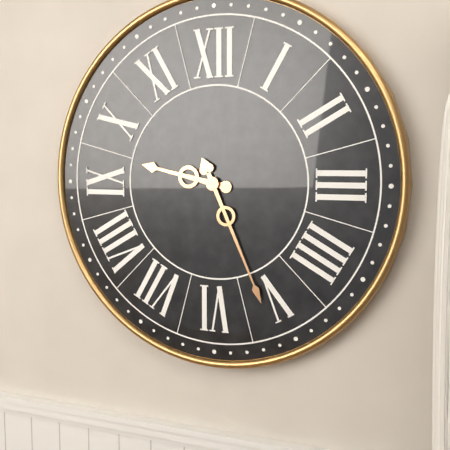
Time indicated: 9:26
